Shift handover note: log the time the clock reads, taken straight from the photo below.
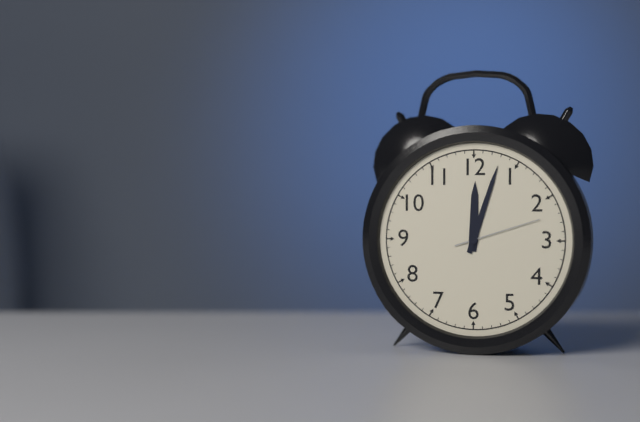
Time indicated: 12:03:12
